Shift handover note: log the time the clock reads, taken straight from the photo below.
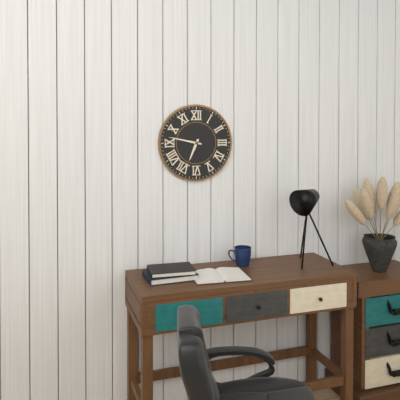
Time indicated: 6:47
